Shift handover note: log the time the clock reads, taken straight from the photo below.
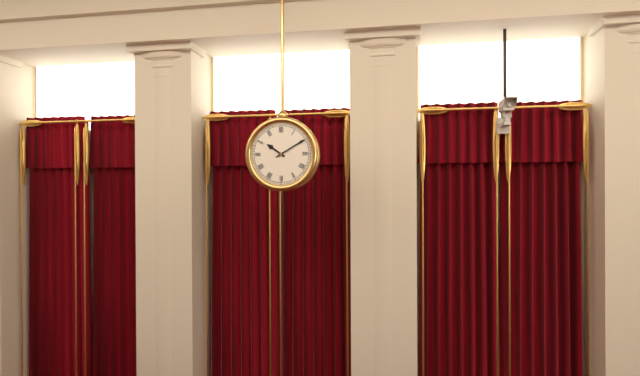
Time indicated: 10:10
